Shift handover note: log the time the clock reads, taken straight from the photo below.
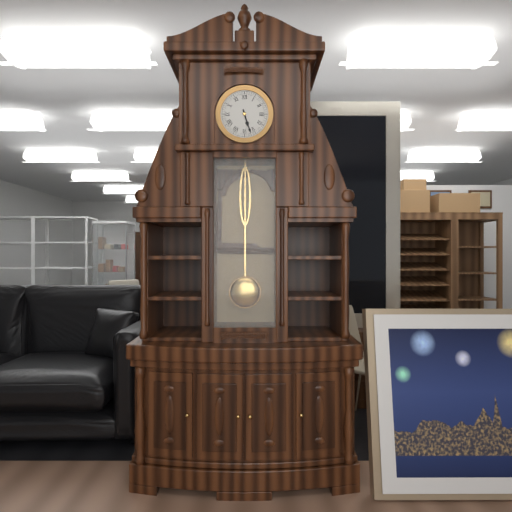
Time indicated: 5:27
